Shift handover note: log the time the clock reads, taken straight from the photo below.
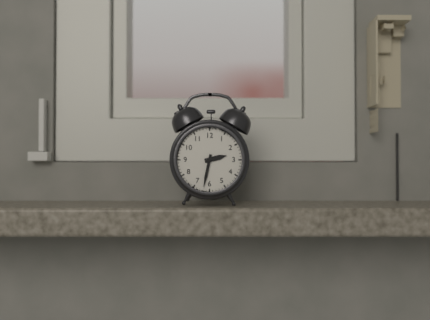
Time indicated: 2:32
